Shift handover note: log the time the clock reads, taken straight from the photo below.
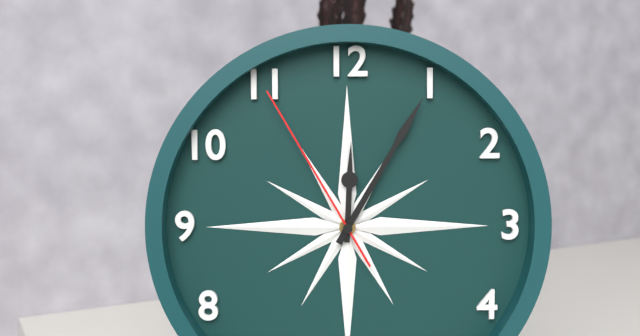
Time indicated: 12:05:55
